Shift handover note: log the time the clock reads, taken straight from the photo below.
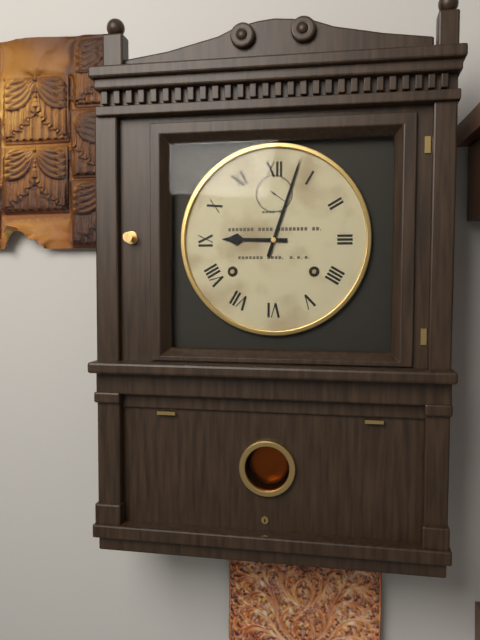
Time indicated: 9:03
